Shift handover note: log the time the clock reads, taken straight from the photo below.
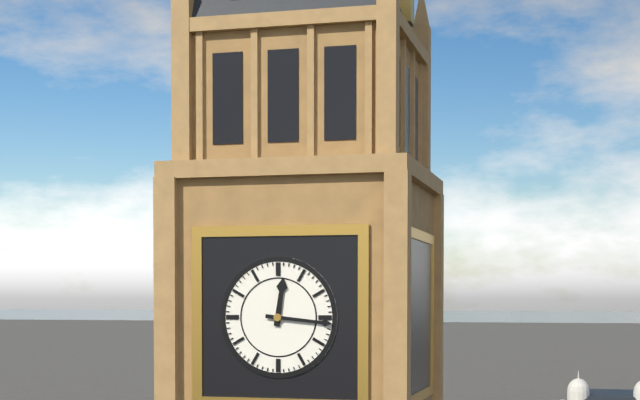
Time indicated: 12:16
